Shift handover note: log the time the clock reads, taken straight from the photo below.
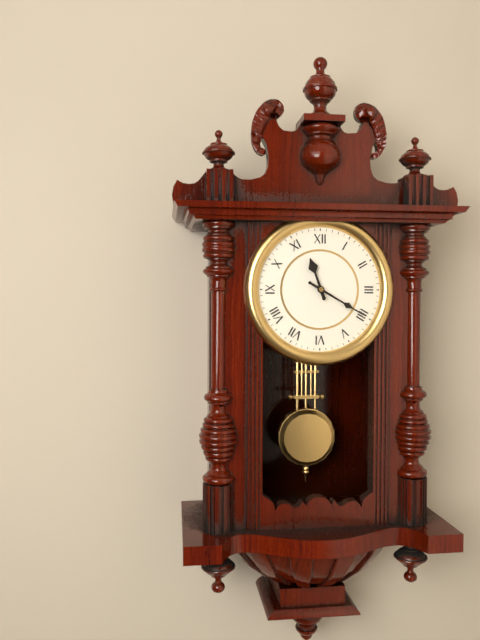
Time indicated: 11:20
